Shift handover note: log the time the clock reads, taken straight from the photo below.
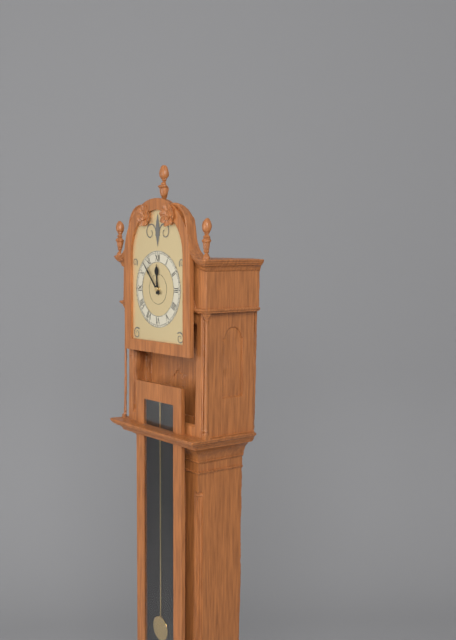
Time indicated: 11:53
